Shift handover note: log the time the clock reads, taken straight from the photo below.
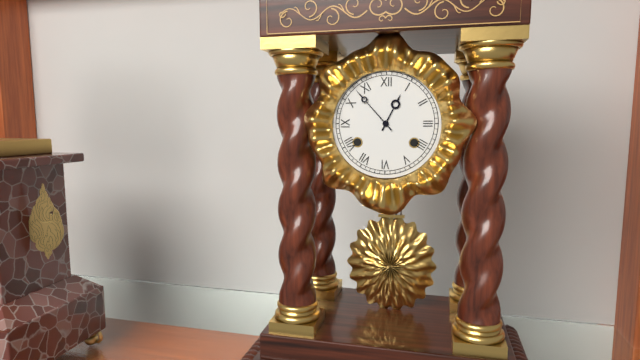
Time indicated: 12:53
